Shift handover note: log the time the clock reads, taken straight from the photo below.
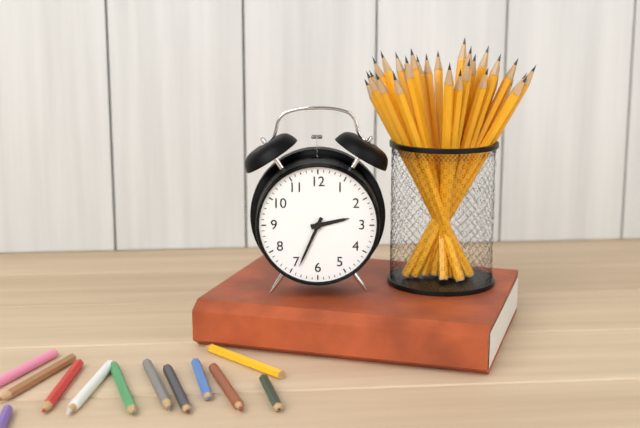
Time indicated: 2:34
